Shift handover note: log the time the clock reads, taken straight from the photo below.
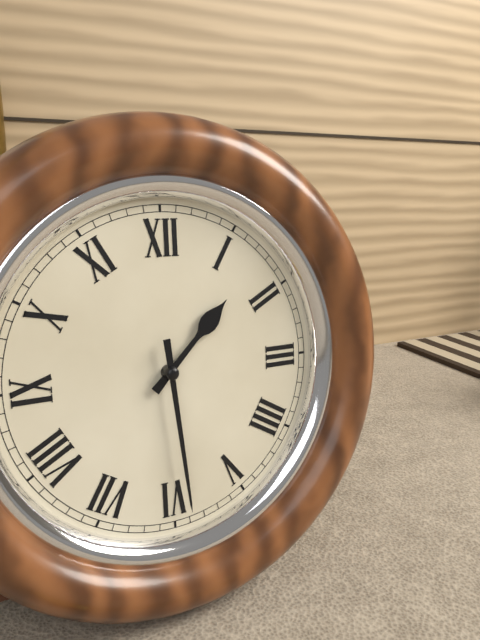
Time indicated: 1:29
